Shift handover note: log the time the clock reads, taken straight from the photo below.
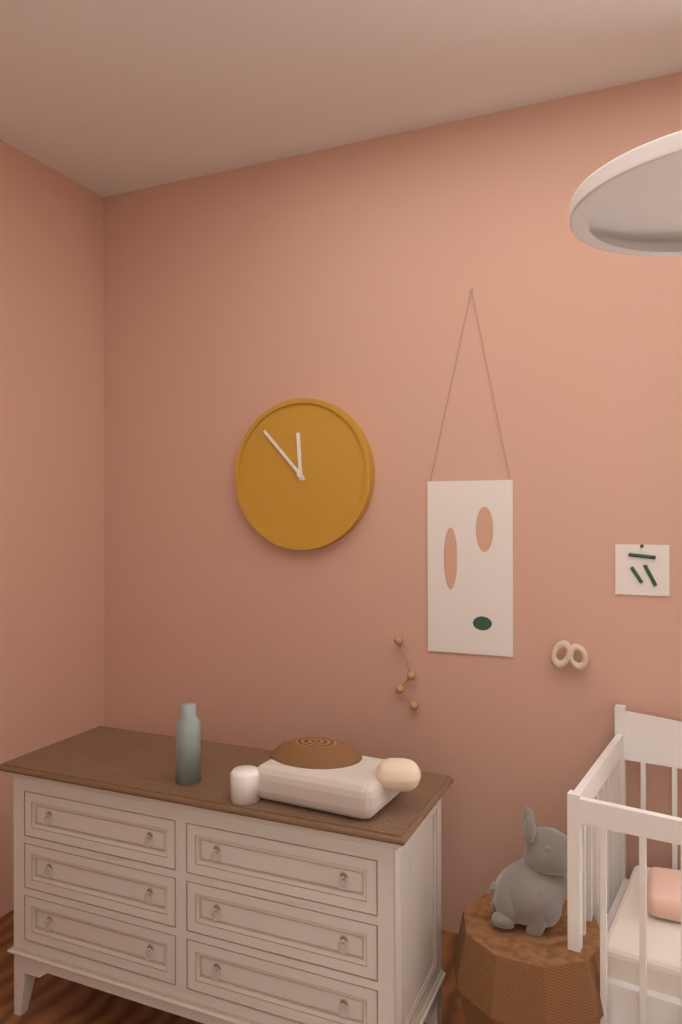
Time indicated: 11:53
